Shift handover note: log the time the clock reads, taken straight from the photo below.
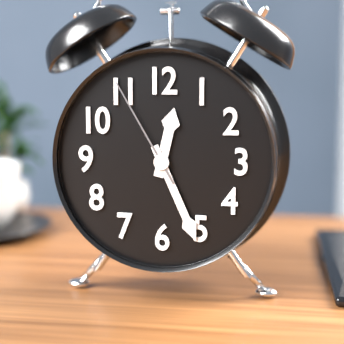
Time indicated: 12:26:55
